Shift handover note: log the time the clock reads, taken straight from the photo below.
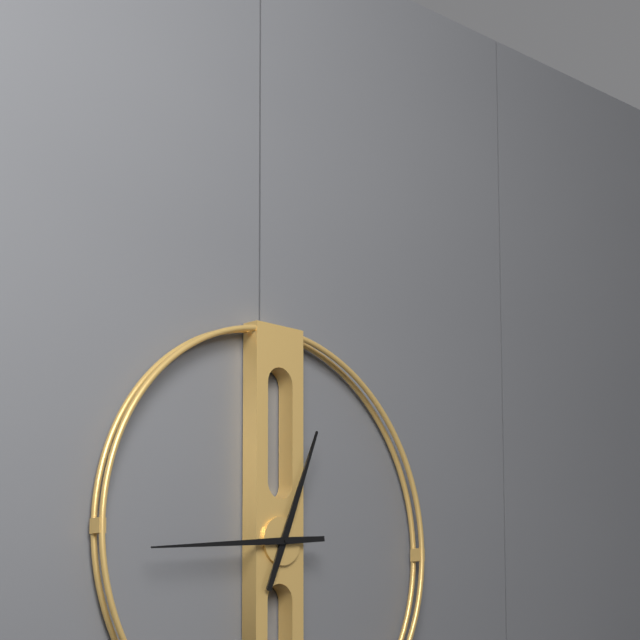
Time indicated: 12:44
